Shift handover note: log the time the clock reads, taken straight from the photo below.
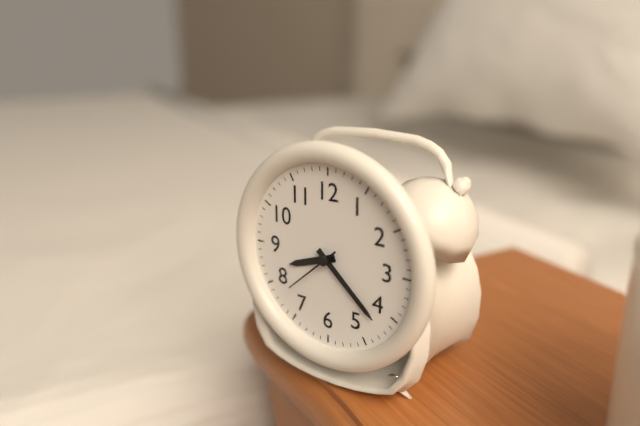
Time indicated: 8:22:38
